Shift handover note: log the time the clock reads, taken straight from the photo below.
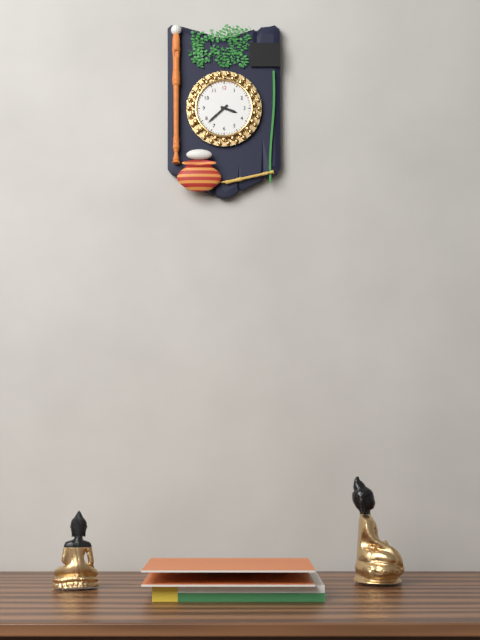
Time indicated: 3:38
